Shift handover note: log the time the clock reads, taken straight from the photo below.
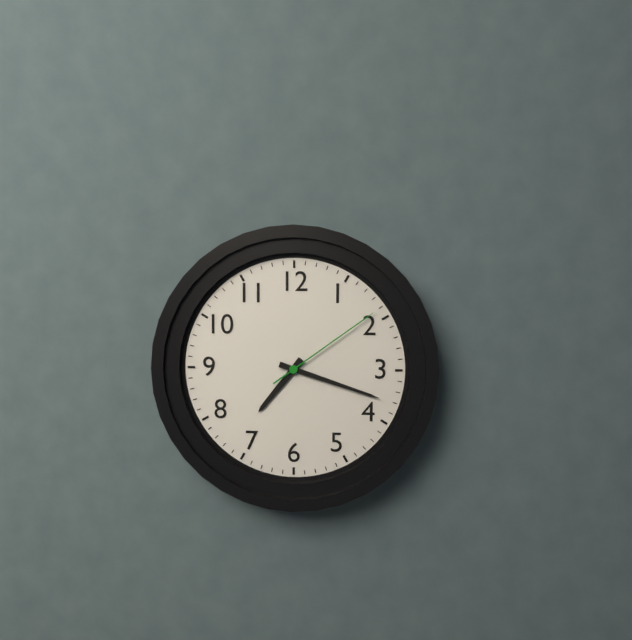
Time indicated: 7:18:09
